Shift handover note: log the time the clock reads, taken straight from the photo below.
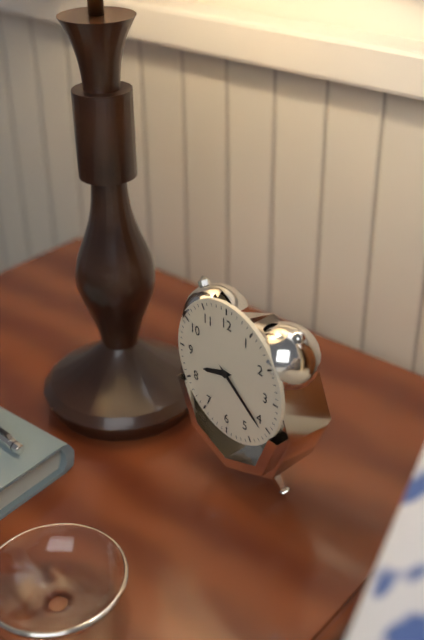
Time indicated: 8:21
